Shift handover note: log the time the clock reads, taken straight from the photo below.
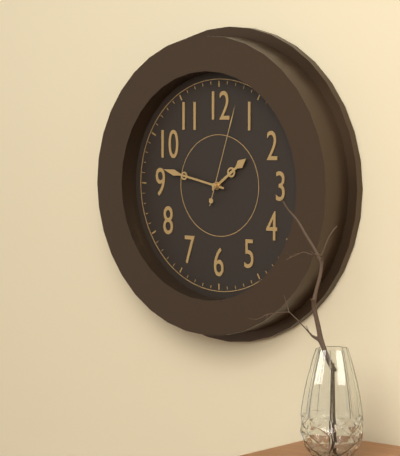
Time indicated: 1:47:03
